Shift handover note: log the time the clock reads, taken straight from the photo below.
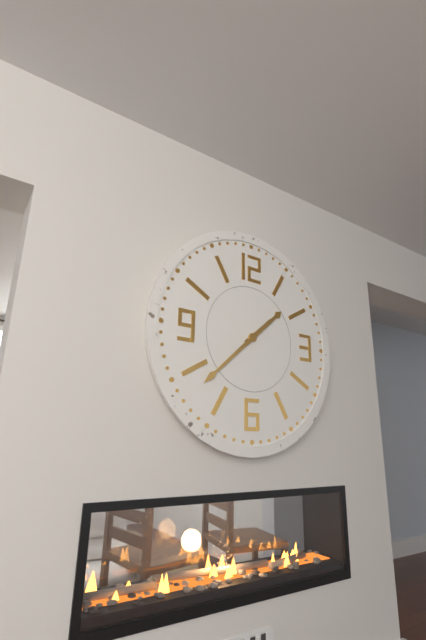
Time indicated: 1:38
